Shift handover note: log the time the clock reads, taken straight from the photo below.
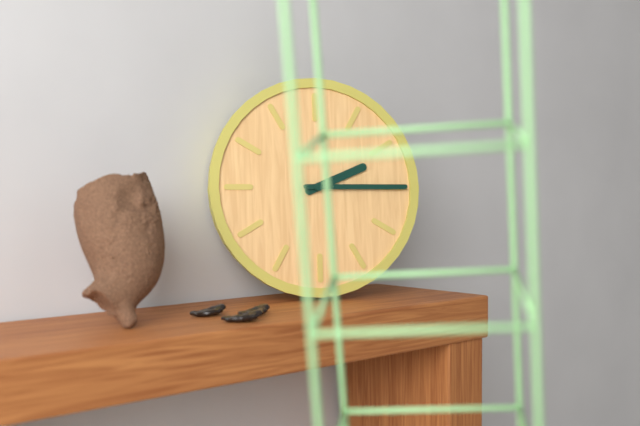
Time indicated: 2:15
